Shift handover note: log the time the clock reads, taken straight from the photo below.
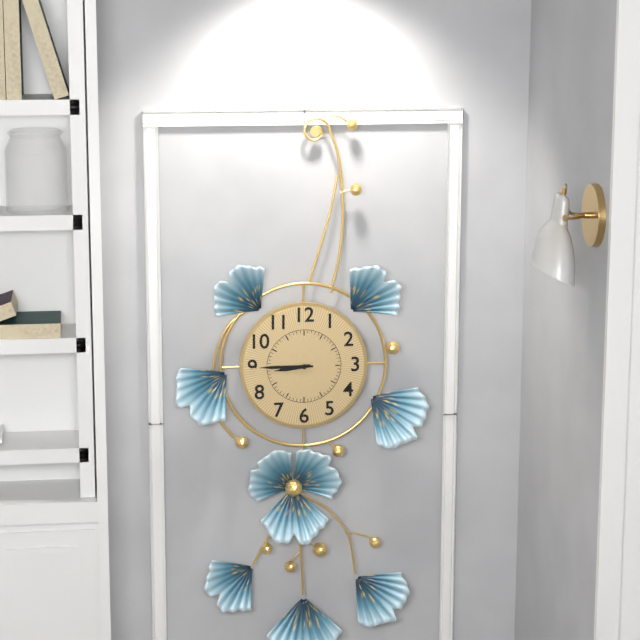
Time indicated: 8:45
